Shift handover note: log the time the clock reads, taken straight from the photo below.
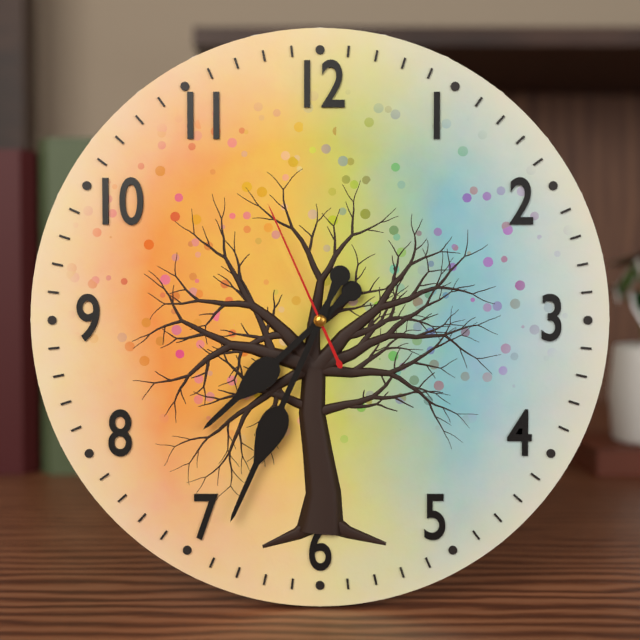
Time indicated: 7:34:56
